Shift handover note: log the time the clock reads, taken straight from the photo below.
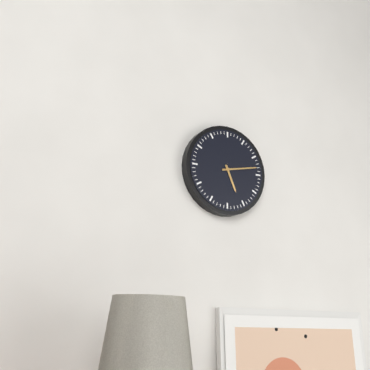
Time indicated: 5:13
